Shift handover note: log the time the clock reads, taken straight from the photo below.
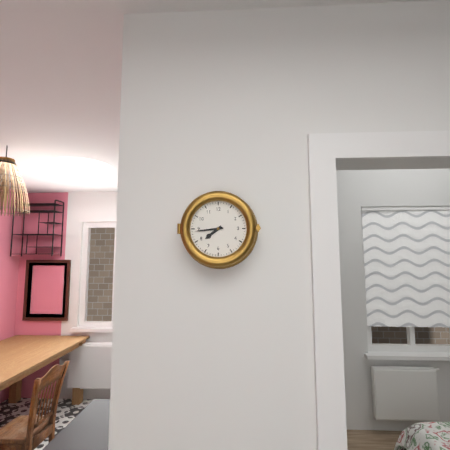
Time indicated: 7:44
